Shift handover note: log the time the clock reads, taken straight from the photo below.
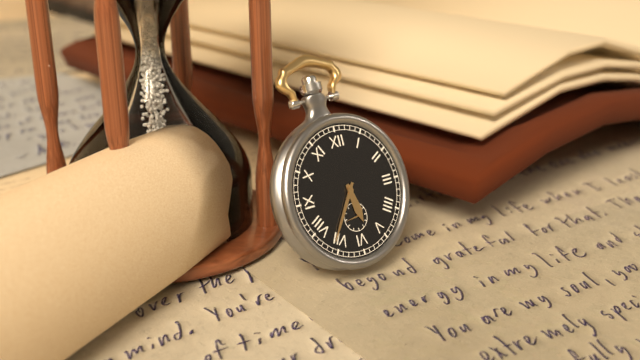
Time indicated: 5:36
